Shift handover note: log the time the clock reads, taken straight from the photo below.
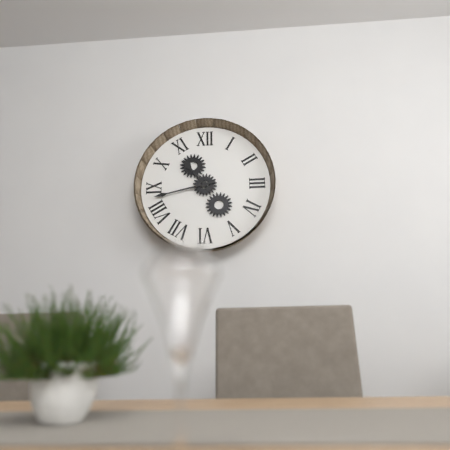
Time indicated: 10:43
